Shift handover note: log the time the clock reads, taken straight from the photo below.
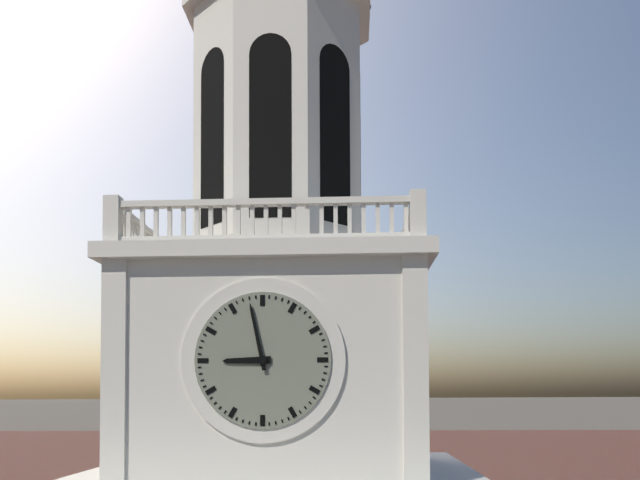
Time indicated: 8:58
